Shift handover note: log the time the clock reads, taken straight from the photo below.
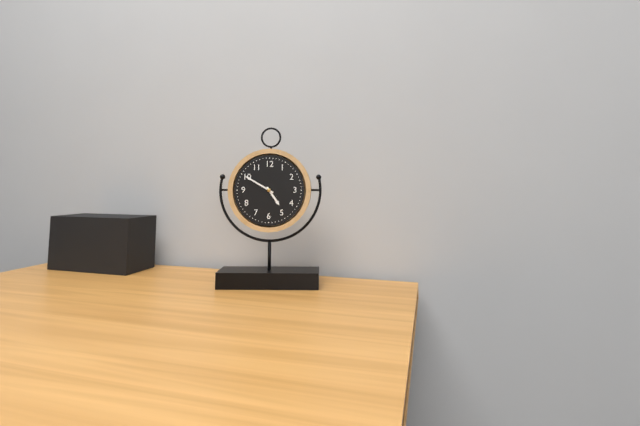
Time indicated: 4:50
